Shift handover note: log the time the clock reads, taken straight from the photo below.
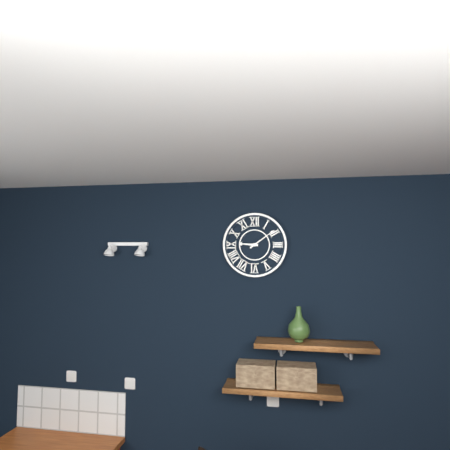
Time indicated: 9:09
